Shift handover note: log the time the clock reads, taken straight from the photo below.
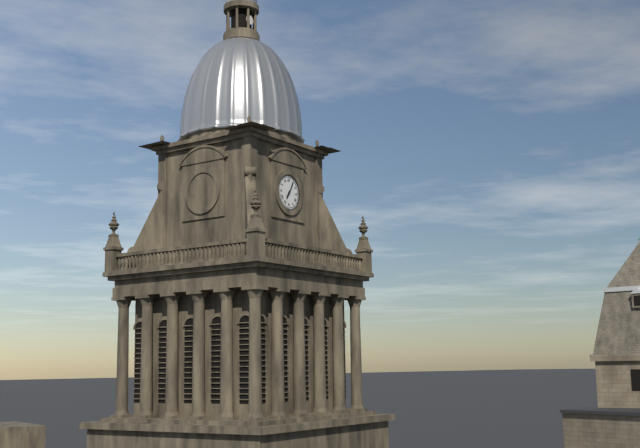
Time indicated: 7:05
